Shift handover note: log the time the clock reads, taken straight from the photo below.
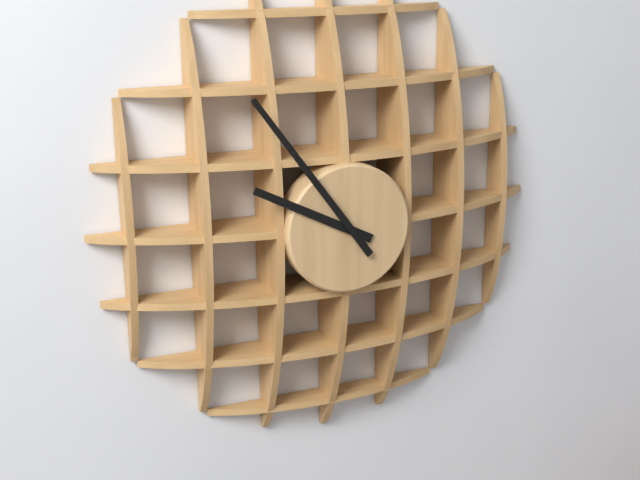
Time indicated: 9:54
